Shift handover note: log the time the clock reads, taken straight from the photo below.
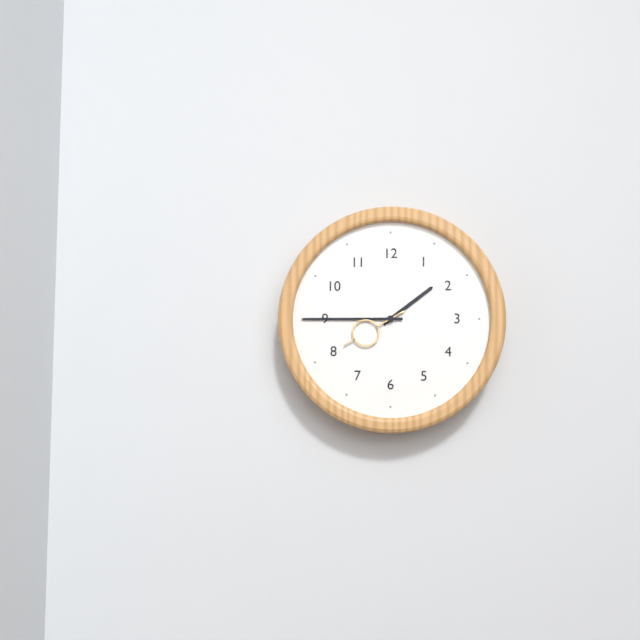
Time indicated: 1:45:40
